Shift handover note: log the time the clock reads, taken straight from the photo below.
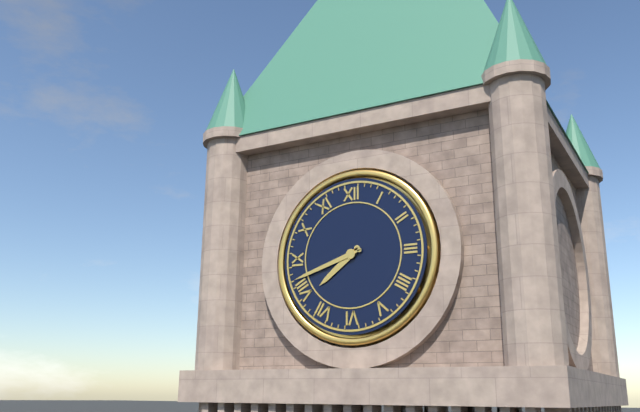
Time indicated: 7:42
